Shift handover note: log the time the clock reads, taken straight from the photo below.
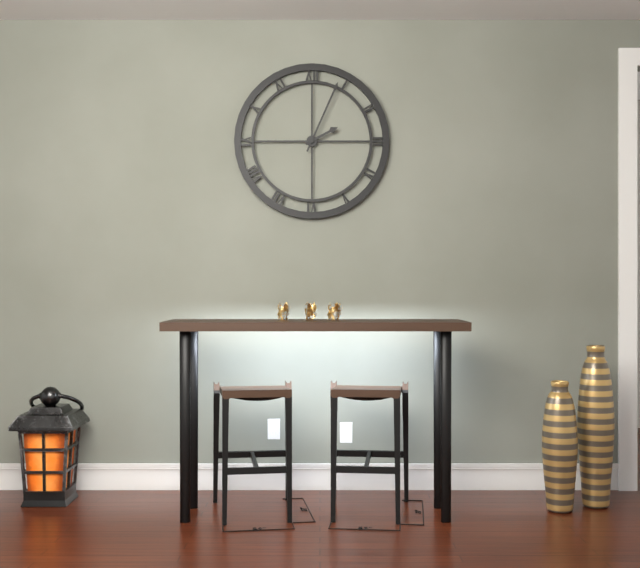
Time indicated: 2:04
